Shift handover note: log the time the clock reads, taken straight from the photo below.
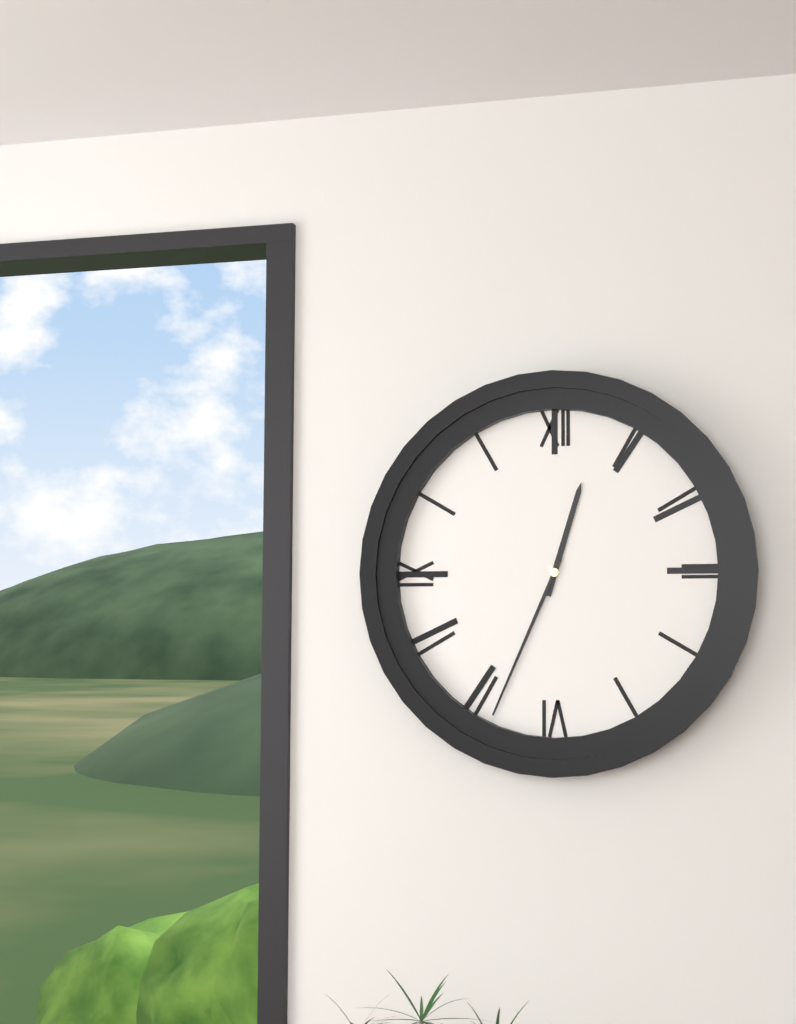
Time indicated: 12:34
